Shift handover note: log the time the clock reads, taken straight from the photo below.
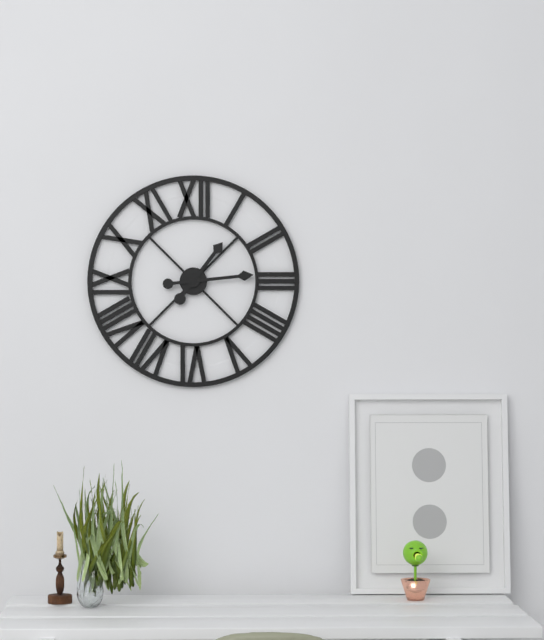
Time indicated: 1:14
